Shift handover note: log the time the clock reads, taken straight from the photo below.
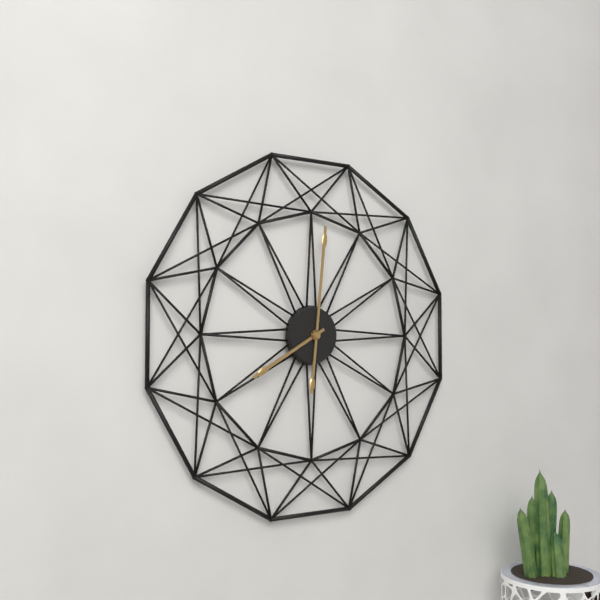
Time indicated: 8:01
